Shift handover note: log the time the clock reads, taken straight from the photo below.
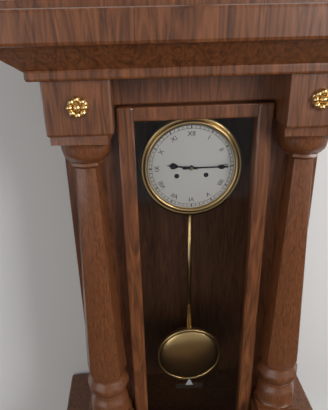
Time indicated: 9:15
